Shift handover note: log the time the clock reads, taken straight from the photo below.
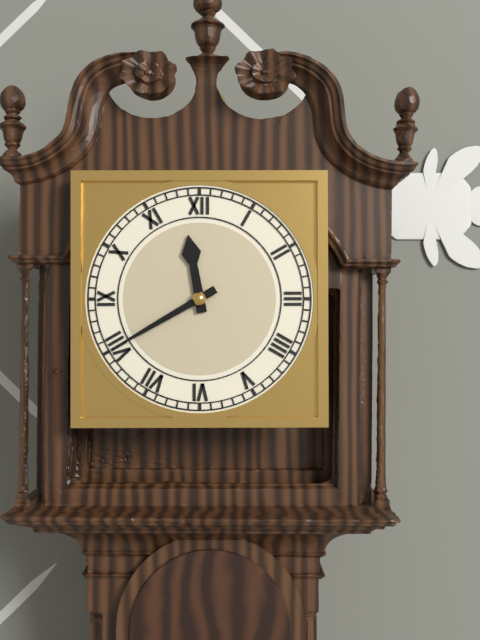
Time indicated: 11:40
